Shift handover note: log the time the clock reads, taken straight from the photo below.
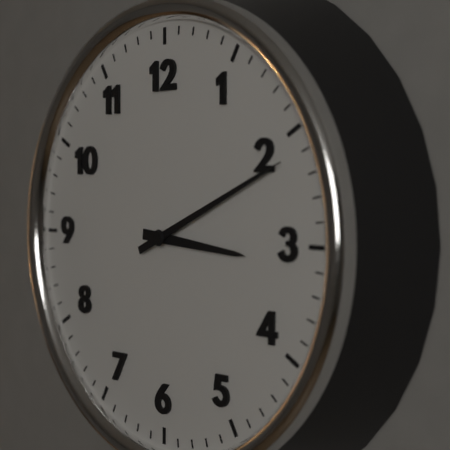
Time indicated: 3:11
